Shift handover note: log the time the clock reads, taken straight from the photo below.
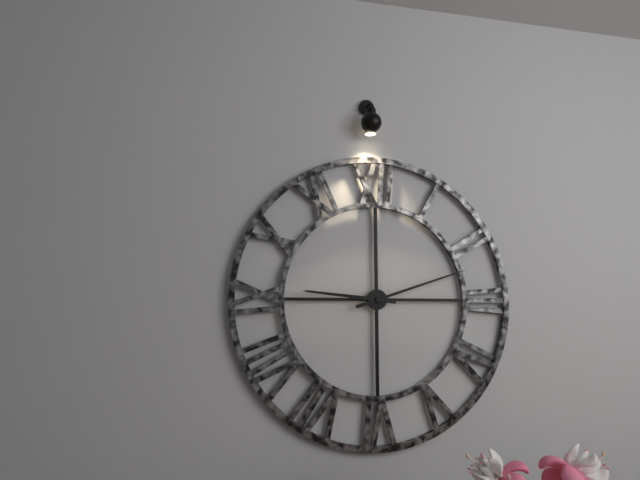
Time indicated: 9:12
